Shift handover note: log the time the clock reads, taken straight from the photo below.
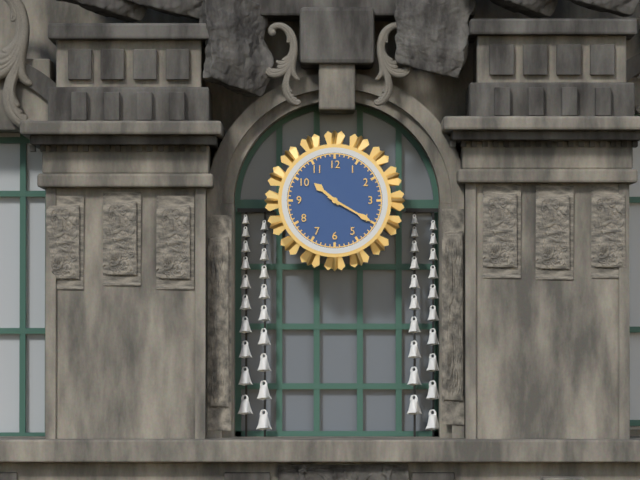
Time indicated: 10:20
